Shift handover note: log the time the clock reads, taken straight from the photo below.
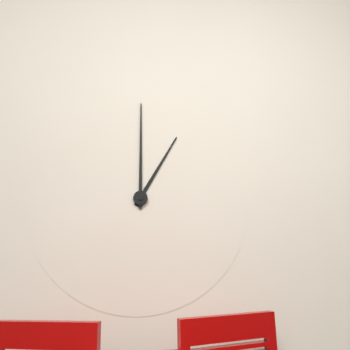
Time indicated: 1:00
